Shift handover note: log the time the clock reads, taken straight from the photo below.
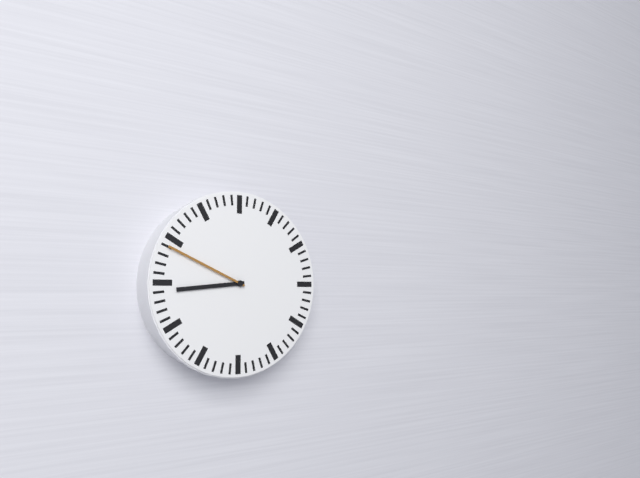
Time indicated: 8:49
